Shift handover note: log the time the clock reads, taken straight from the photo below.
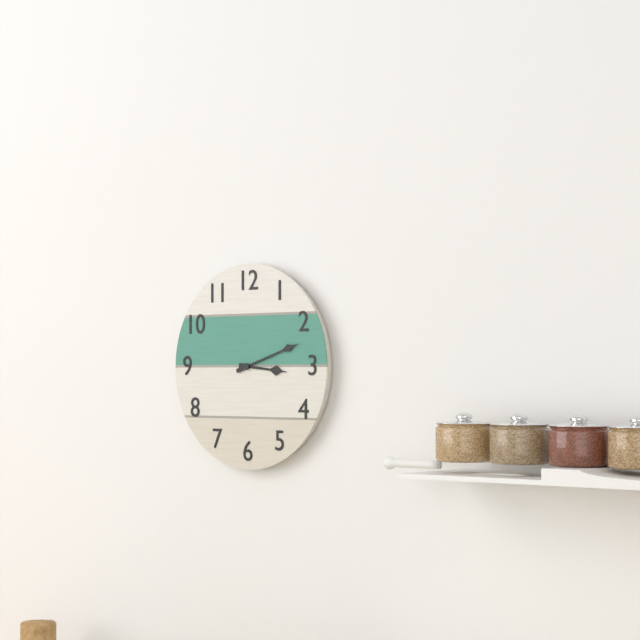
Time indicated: 3:12
